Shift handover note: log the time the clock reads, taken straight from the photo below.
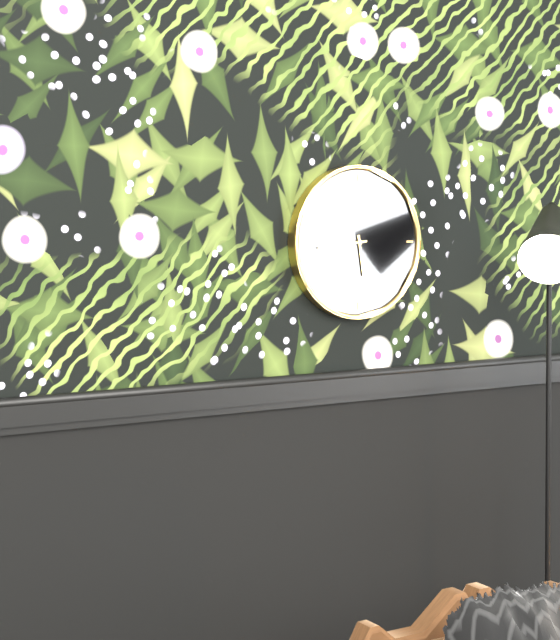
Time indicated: 5:44
